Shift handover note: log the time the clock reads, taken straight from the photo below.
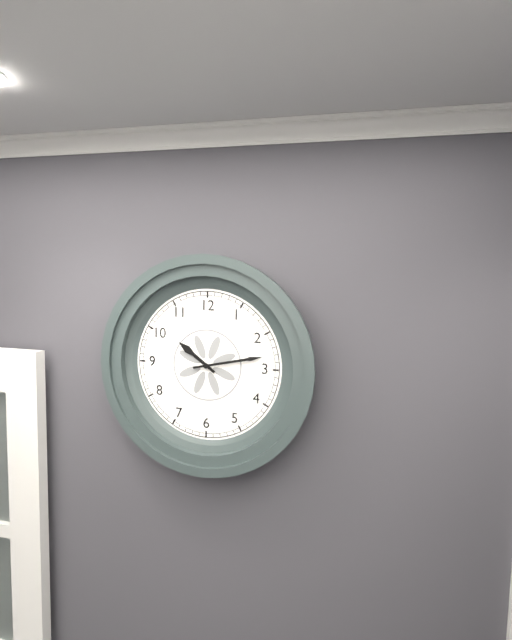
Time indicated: 10:13
